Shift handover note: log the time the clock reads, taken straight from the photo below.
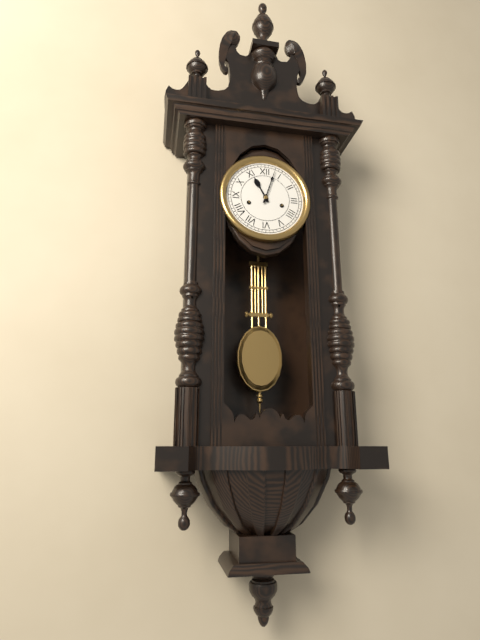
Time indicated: 11:03
